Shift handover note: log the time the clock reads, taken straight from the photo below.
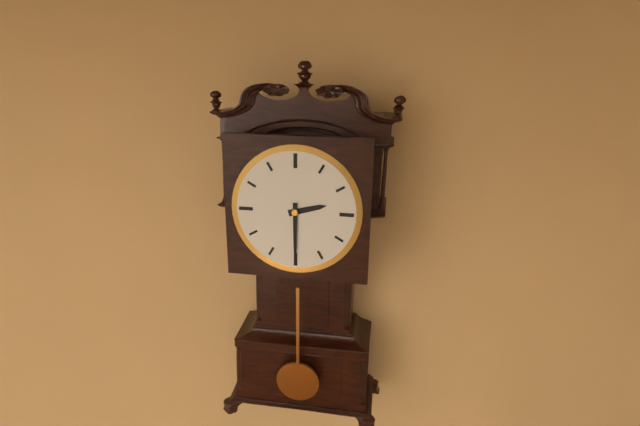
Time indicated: 2:30
